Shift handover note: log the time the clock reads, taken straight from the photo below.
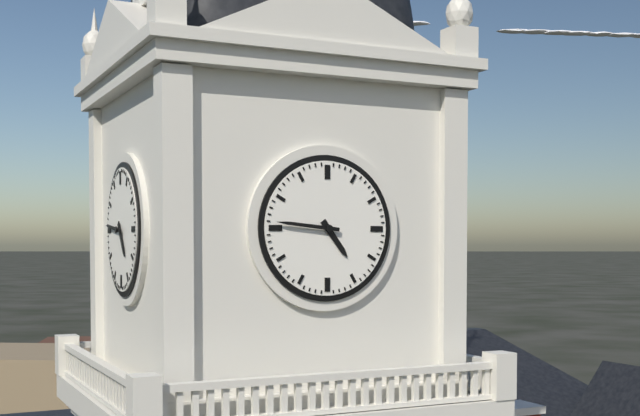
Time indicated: 4:46
